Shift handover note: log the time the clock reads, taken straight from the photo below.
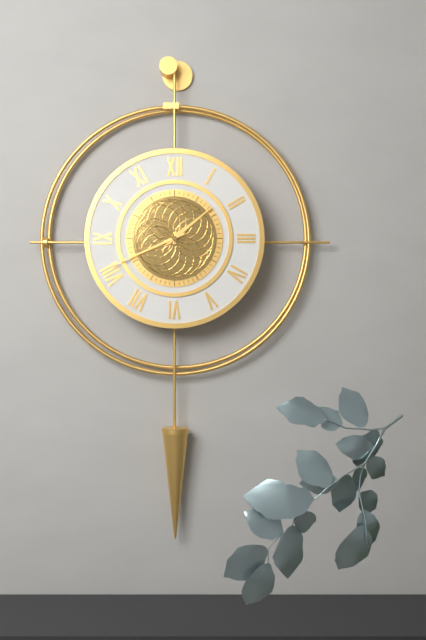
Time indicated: 1:41
